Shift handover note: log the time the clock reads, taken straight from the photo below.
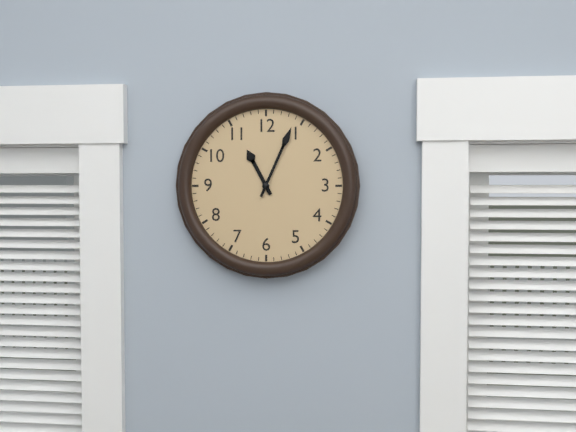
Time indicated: 11:04
